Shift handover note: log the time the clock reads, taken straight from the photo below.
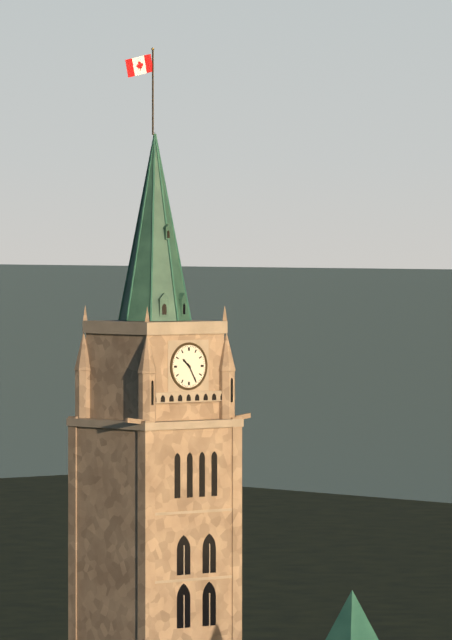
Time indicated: 10:25
